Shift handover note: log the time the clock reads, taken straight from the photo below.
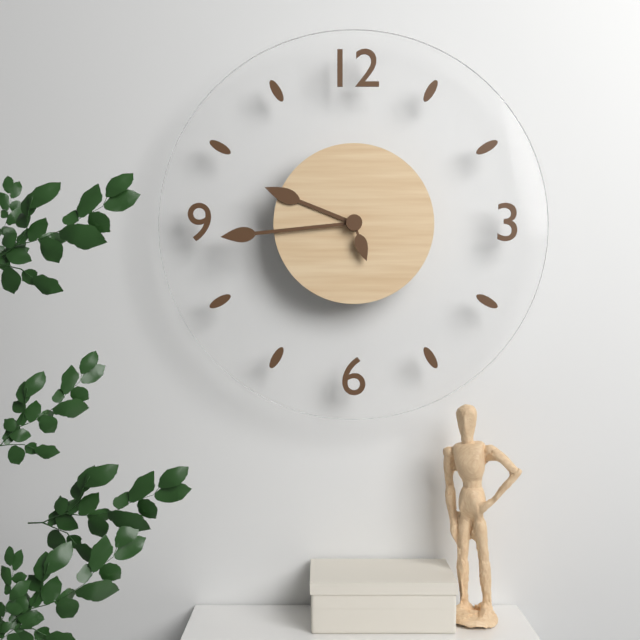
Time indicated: 9:44
